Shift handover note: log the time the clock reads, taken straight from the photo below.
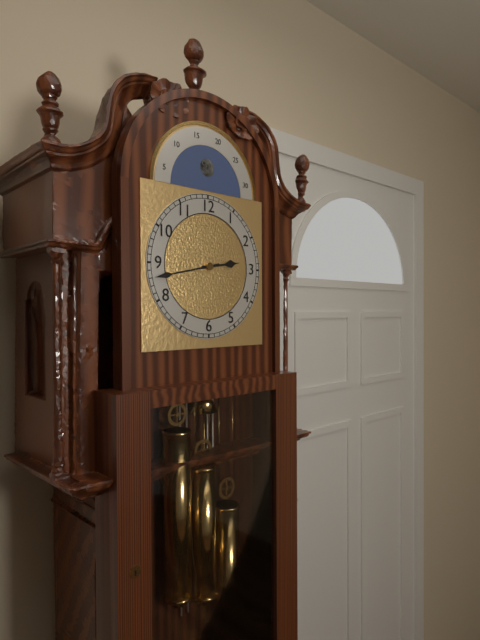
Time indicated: 2:43
